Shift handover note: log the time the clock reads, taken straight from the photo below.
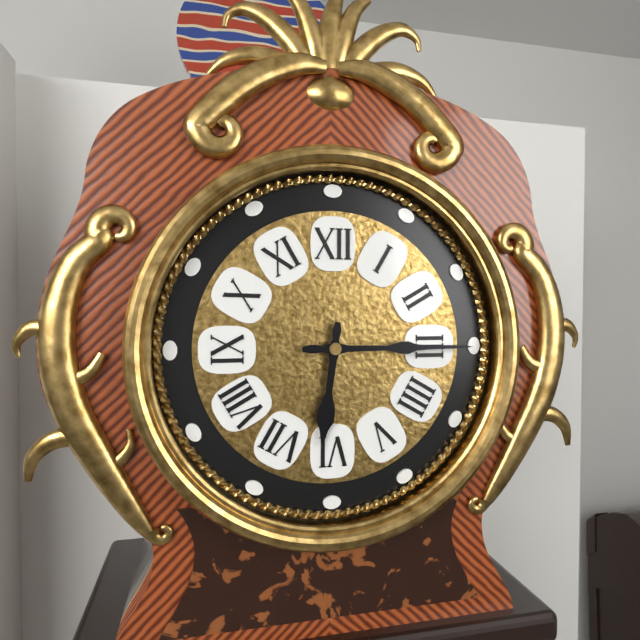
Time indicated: 6:15
